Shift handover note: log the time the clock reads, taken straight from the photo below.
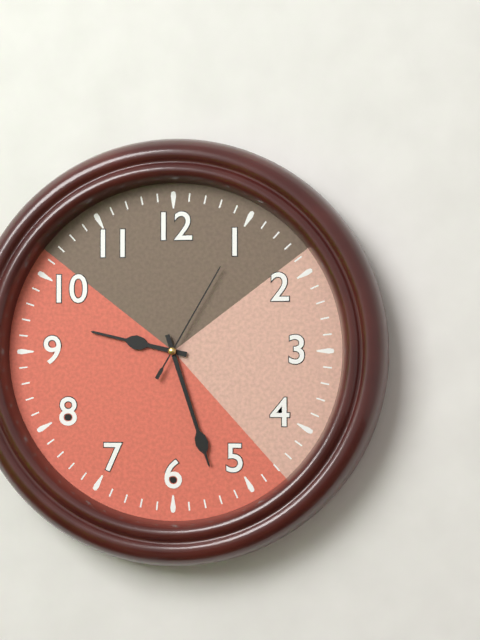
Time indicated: 9:27:05
